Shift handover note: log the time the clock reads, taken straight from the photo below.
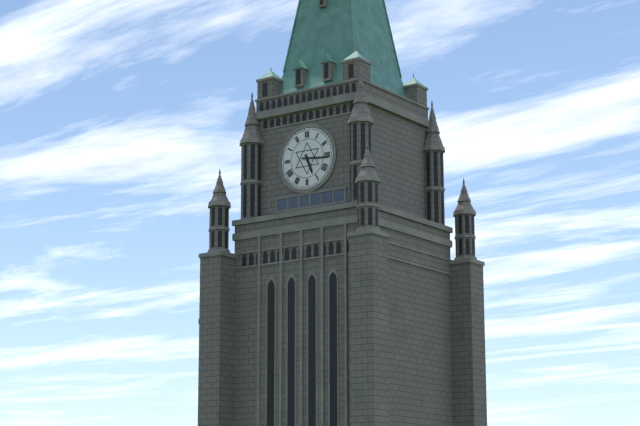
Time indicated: 5:16
